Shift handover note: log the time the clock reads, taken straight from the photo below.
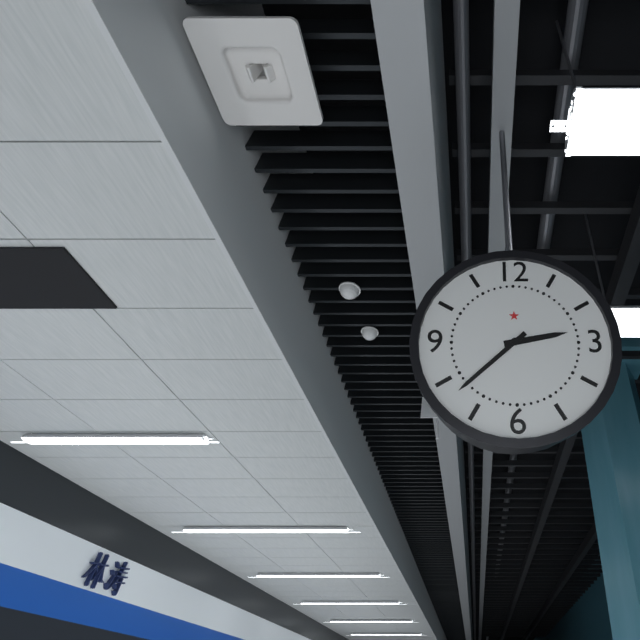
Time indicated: 2:38
